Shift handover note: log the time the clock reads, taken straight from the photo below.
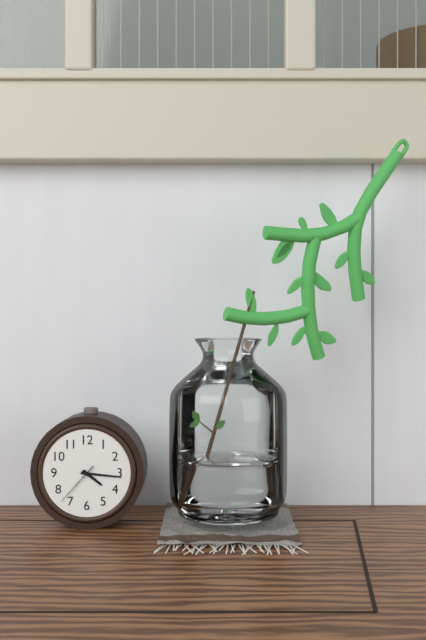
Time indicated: 4:16
